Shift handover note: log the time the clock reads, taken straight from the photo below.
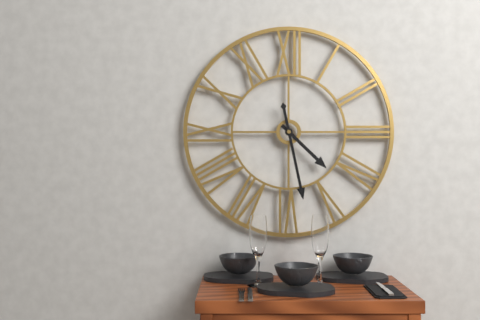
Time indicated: 4:28
